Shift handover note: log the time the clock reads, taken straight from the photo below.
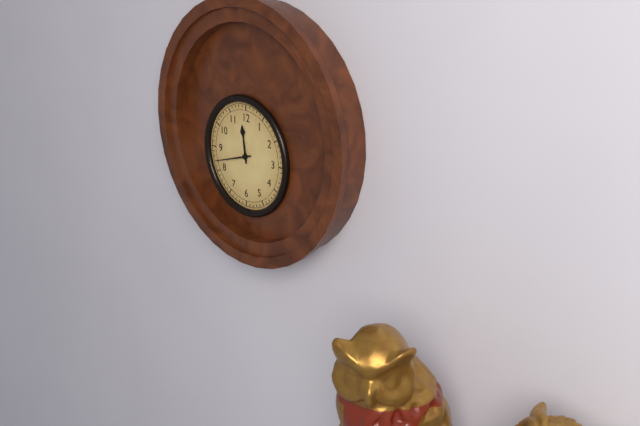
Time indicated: 11:42
